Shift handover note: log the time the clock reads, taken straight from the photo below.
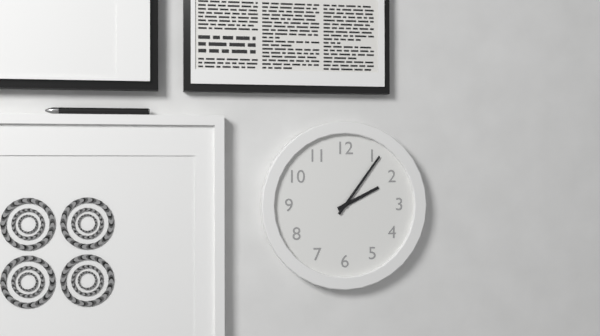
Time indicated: 2:06
